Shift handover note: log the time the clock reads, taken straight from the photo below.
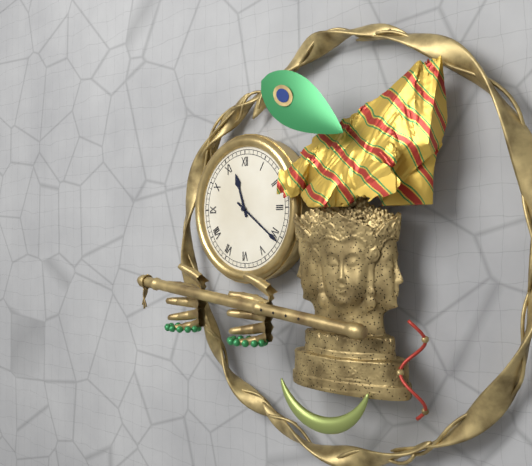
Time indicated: 11:21
